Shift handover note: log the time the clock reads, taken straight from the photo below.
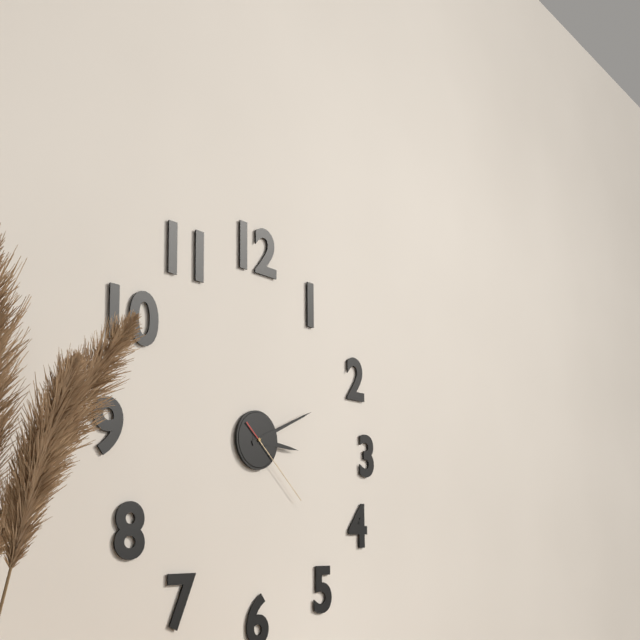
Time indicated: 3:11:22
